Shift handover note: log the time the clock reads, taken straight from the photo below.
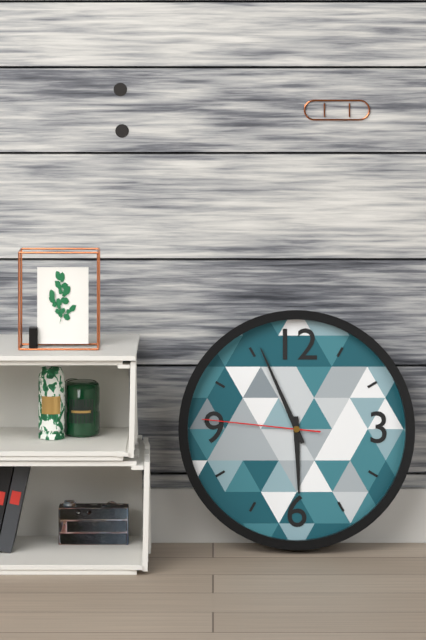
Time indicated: 5:56:46
